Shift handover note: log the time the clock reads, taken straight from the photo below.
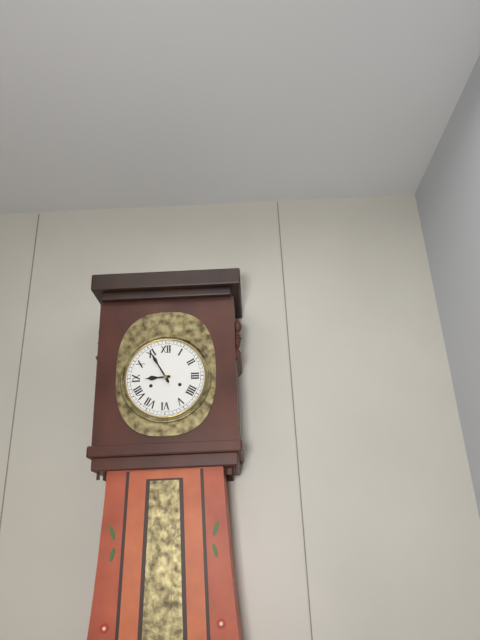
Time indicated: 8:55
